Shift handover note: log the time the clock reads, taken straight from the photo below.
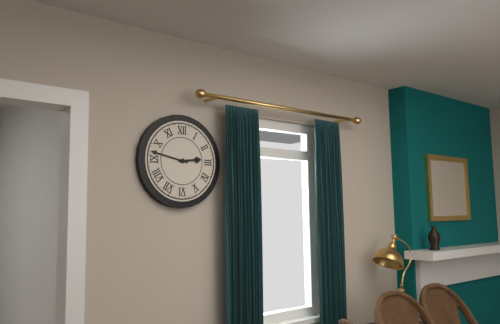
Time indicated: 2:47
